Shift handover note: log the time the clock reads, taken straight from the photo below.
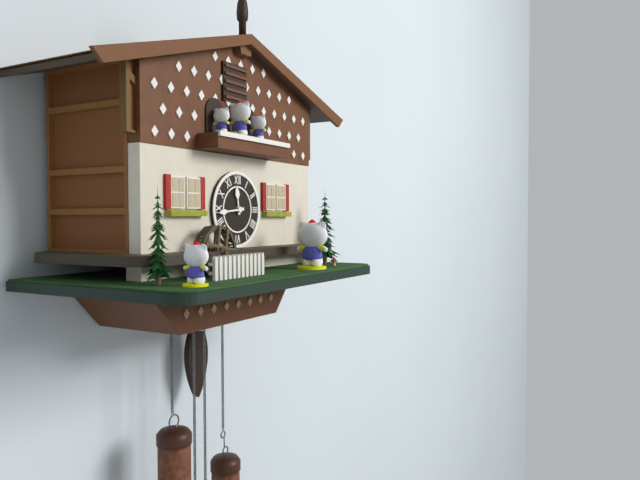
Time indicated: 11:44
